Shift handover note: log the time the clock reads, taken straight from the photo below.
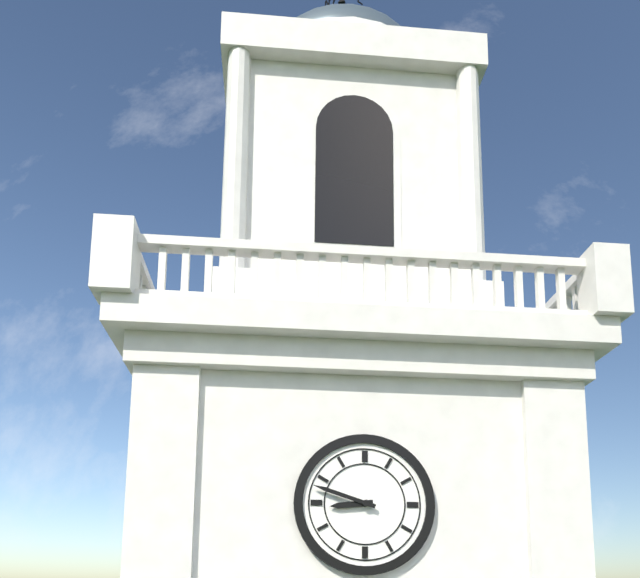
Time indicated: 8:48
